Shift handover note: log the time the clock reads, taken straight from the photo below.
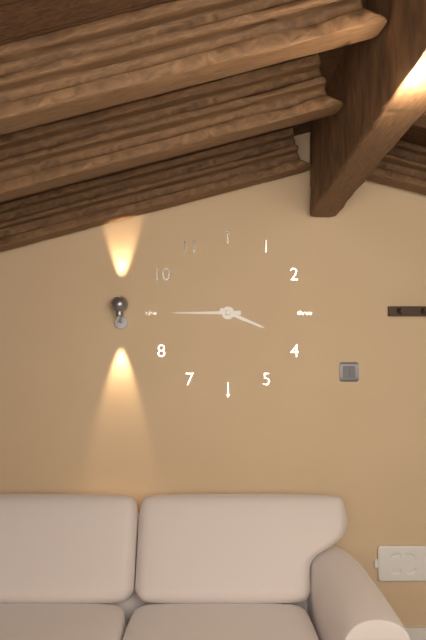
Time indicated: 3:45
